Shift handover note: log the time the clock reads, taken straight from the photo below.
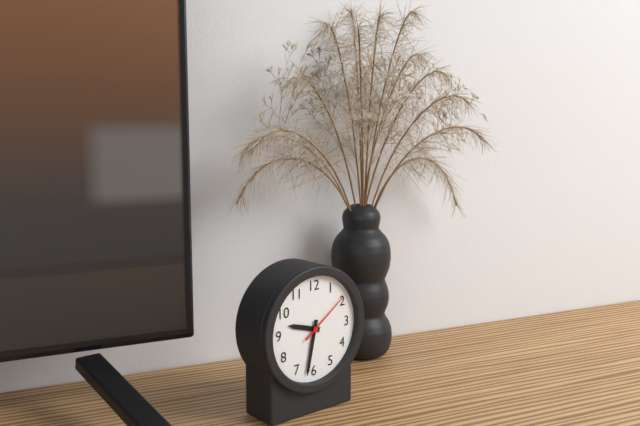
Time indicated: 9:32:09
